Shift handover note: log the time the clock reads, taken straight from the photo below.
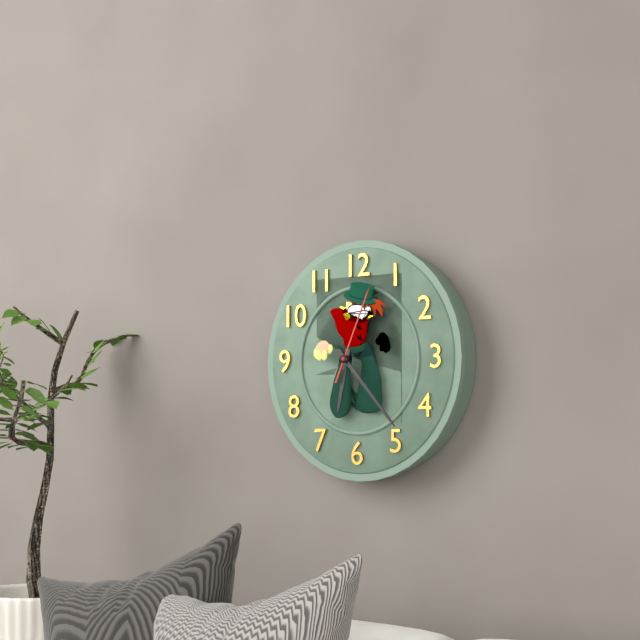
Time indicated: 6:23:04
